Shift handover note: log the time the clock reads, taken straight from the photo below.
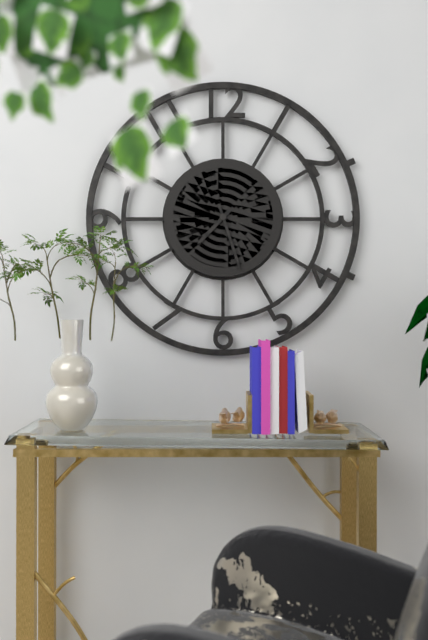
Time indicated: 7:27
